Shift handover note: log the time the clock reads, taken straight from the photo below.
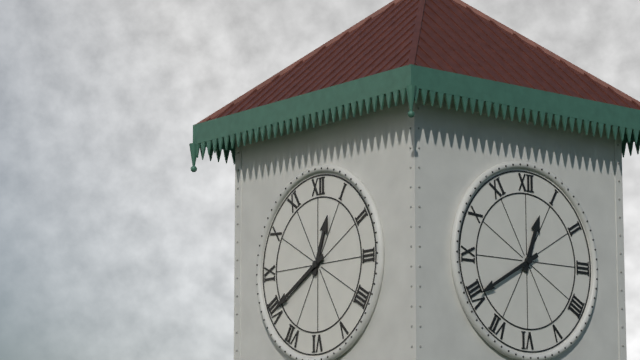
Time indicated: 12:40
